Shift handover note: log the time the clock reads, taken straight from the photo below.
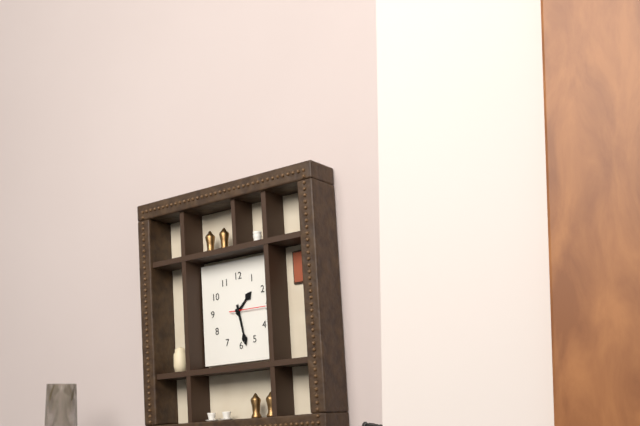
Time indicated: 1:28
